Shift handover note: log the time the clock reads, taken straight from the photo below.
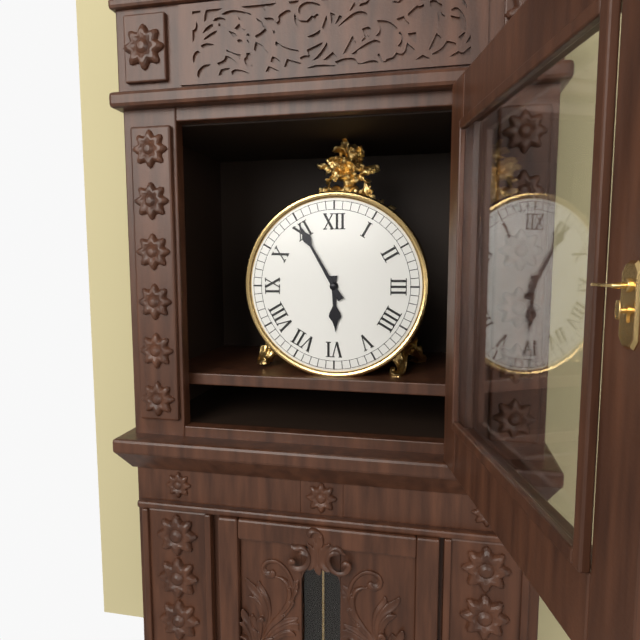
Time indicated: 5:55
